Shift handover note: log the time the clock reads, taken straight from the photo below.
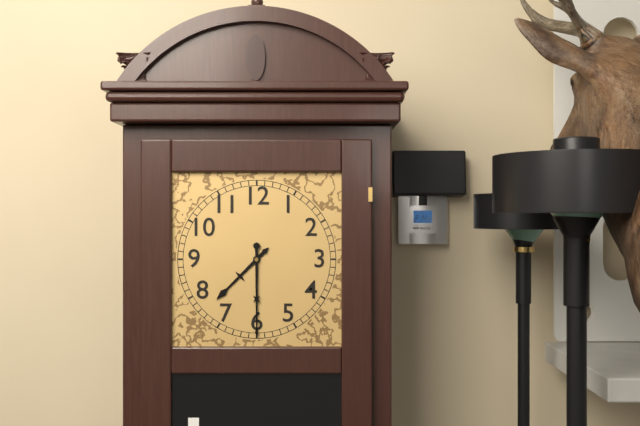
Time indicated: 7:30
